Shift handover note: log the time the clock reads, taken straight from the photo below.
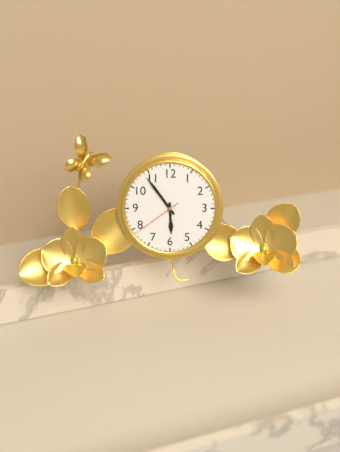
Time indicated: 5:54:39
